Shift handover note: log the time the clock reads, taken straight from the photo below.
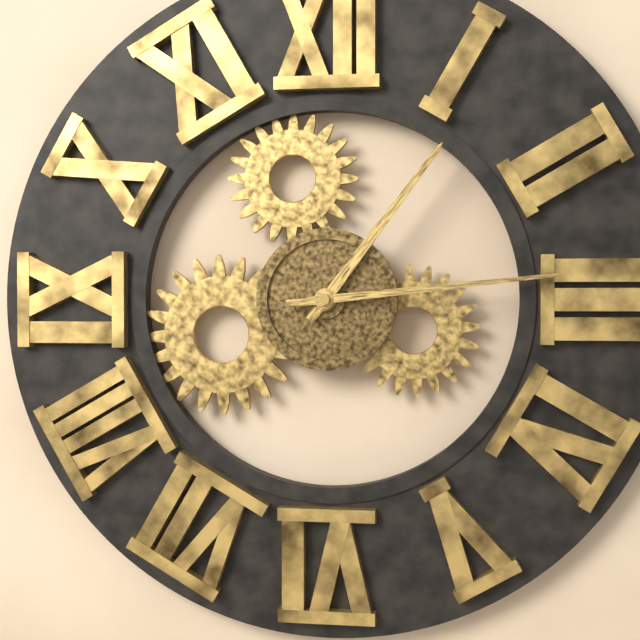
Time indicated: 1:14
